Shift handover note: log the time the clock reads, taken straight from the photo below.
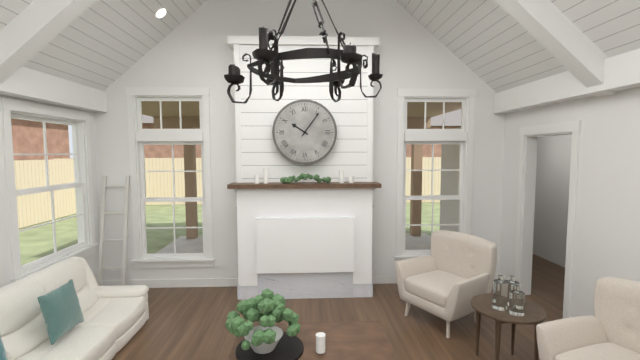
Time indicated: 10:06
